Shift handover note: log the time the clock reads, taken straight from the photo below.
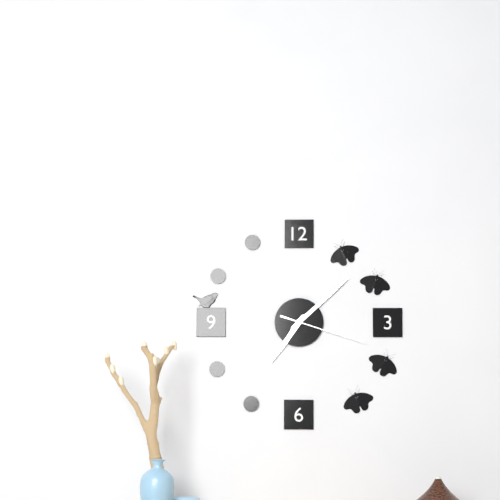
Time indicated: 7:08:18
